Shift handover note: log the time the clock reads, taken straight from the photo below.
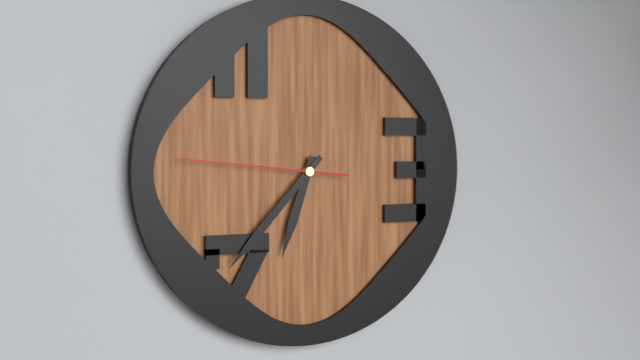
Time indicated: 6:37:46
